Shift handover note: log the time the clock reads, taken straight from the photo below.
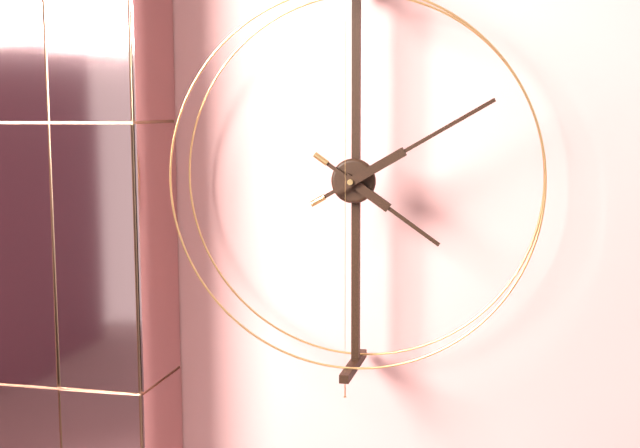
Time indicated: 4:10
